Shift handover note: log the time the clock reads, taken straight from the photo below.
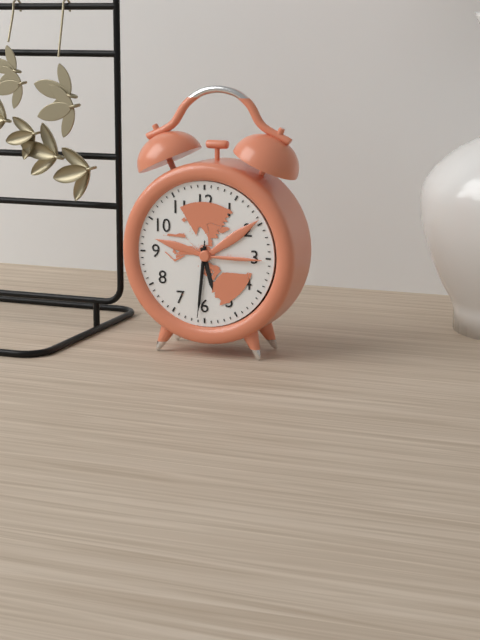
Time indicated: 5:31:31
